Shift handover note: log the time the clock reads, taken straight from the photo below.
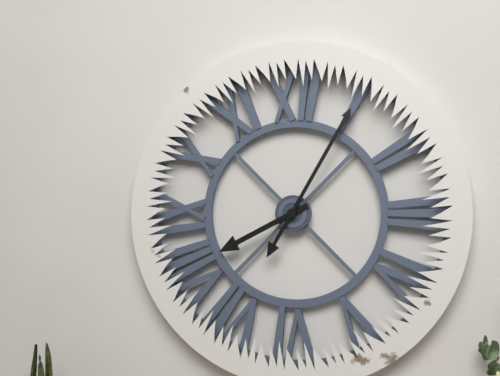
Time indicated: 8:05
